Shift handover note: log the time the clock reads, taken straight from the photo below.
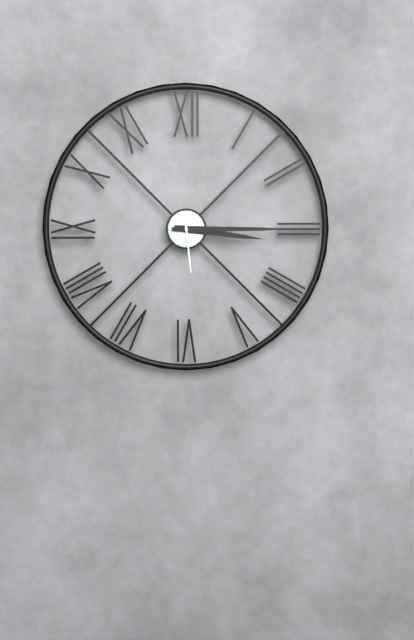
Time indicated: 3:15:29
